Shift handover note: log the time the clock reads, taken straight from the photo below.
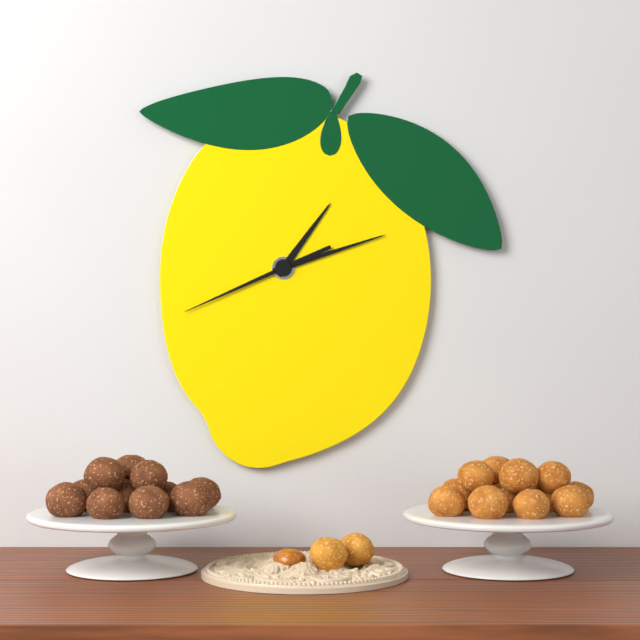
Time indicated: 1:12:41
